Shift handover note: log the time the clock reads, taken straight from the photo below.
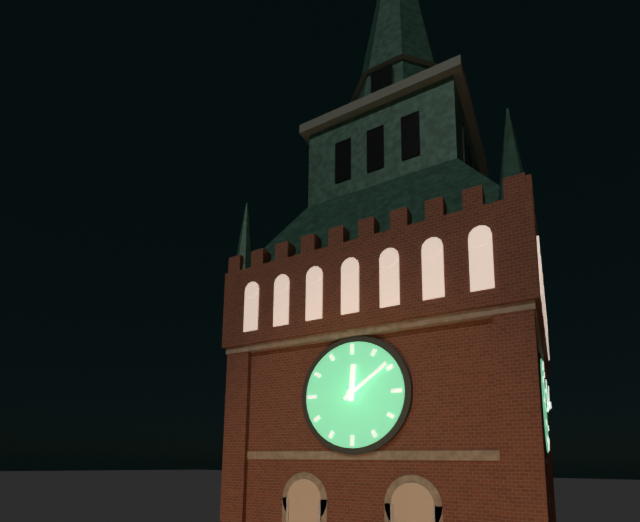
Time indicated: 12:09
